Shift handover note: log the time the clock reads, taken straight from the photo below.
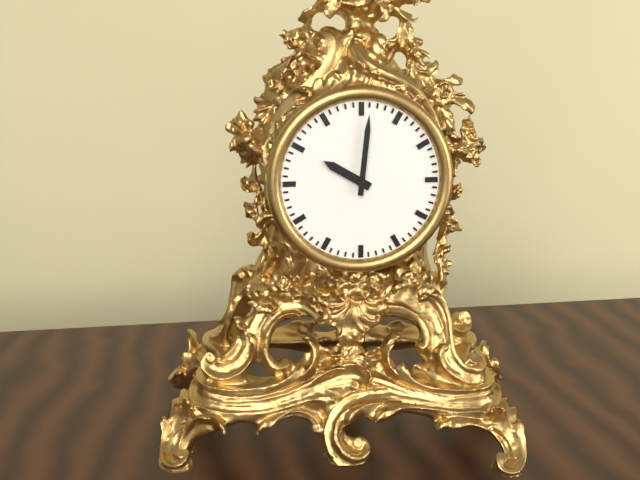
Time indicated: 10:01
